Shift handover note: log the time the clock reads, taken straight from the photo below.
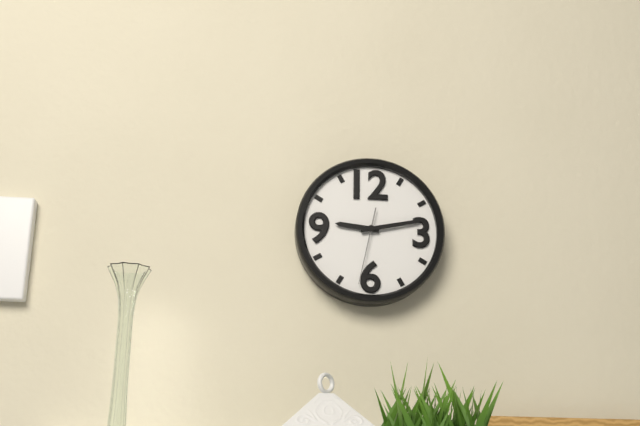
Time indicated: 9:13:32
